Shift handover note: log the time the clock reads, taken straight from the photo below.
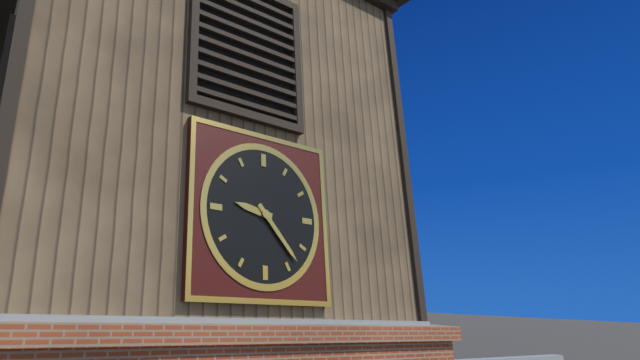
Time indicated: 9:23
